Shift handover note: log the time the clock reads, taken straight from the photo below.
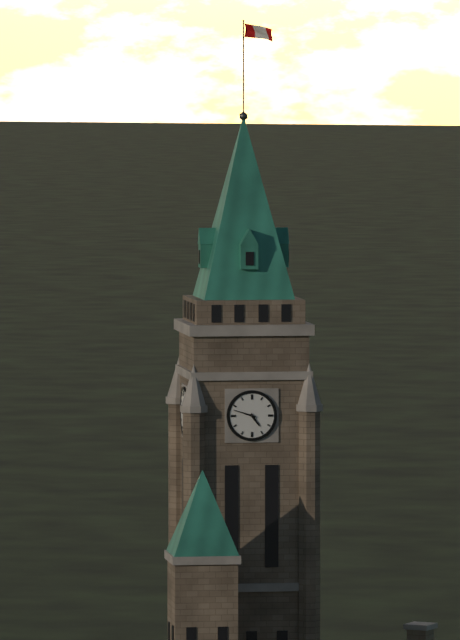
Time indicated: 4:48
